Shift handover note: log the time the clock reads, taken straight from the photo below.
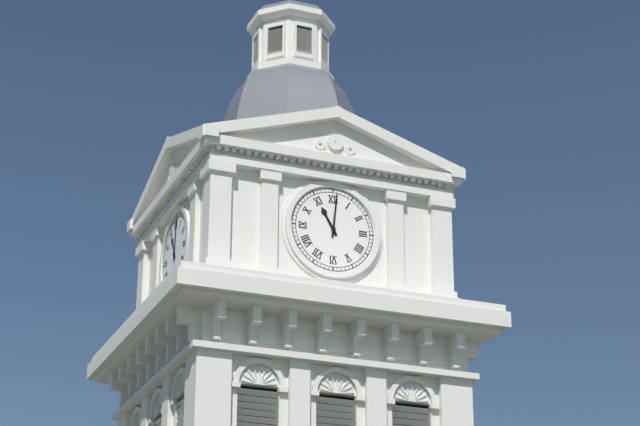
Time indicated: 11:01
